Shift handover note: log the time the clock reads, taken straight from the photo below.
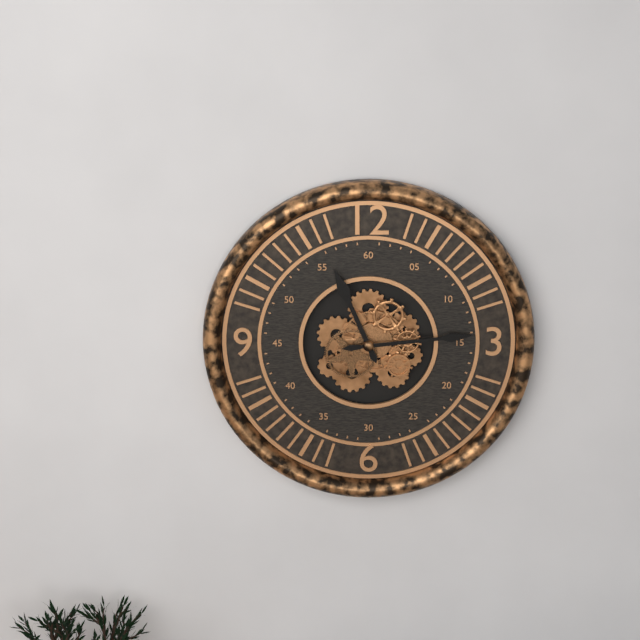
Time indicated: 11:14
